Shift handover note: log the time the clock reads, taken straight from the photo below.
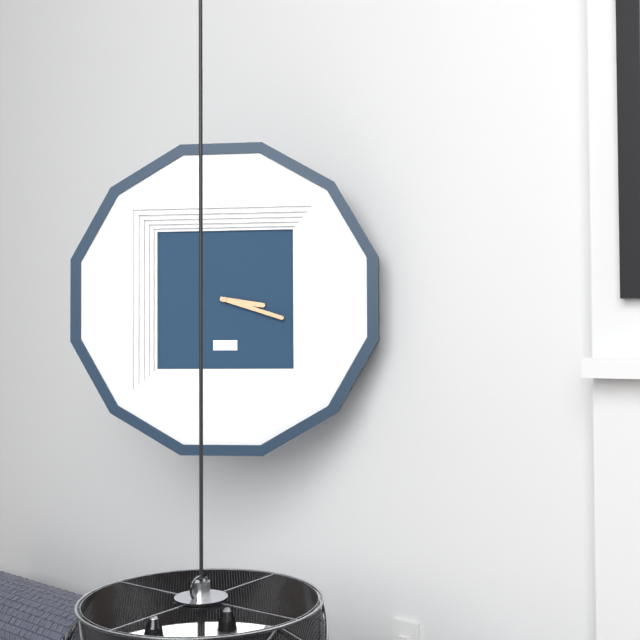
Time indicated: 3:18
